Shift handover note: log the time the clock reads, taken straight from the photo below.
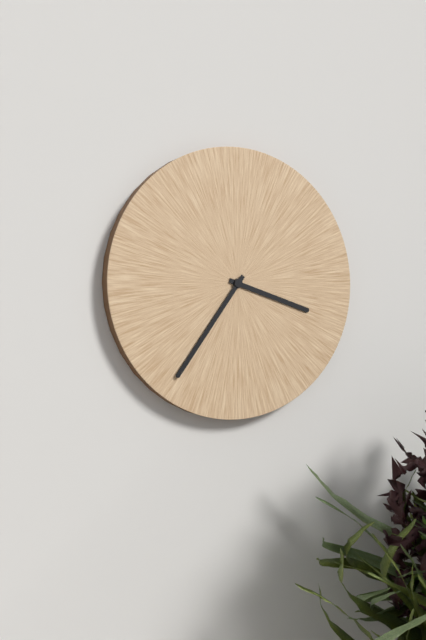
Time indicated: 3:36
